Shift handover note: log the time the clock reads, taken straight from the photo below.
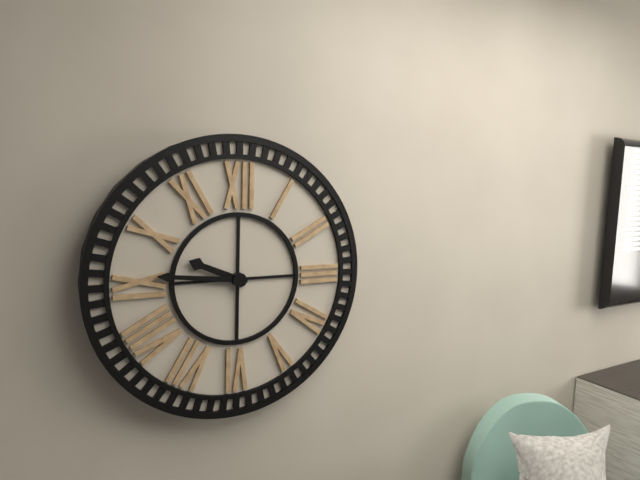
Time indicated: 9:46
